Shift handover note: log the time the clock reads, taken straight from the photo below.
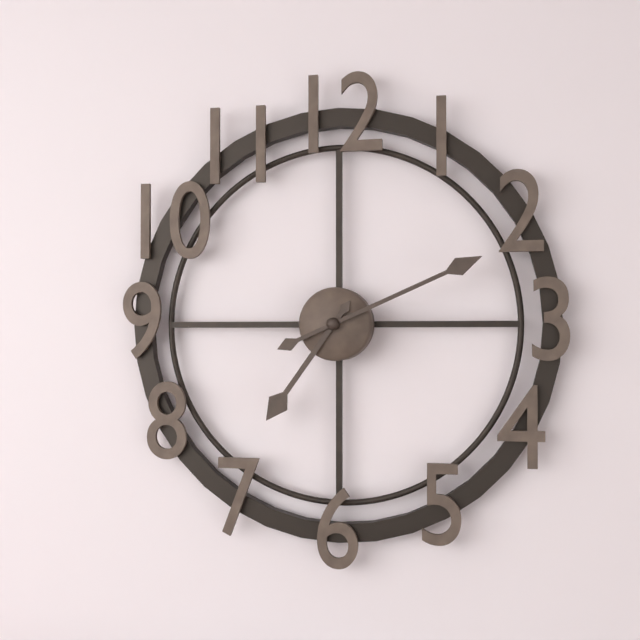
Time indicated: 7:11
